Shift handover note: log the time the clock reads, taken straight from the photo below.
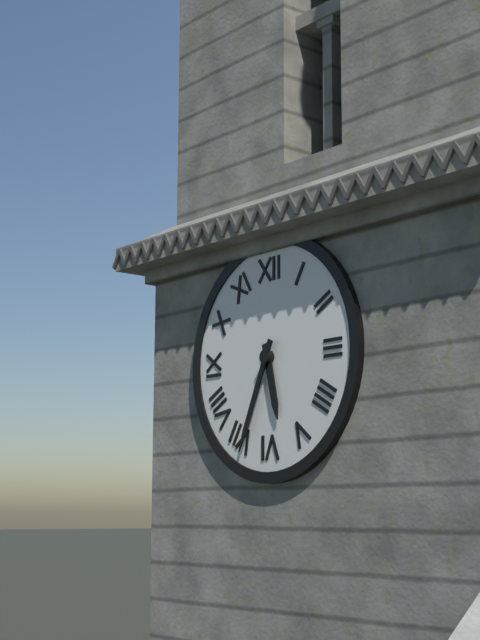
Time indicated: 5:34
